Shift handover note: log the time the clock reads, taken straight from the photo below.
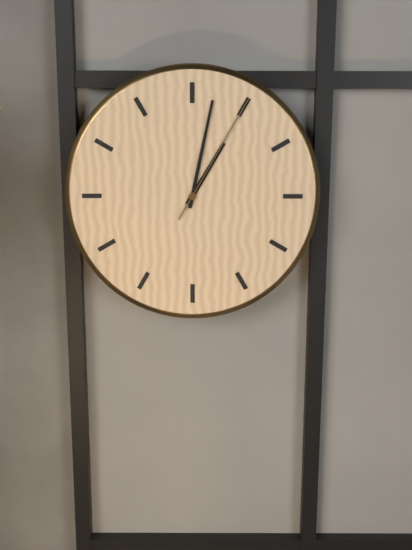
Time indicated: 1:02:05
